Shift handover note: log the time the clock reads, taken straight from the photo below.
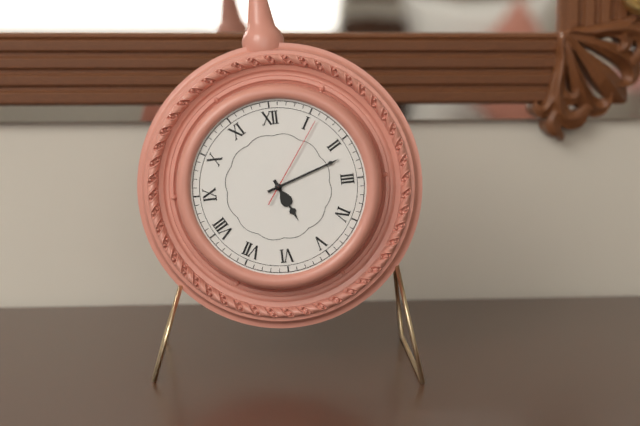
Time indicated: 5:12:06
